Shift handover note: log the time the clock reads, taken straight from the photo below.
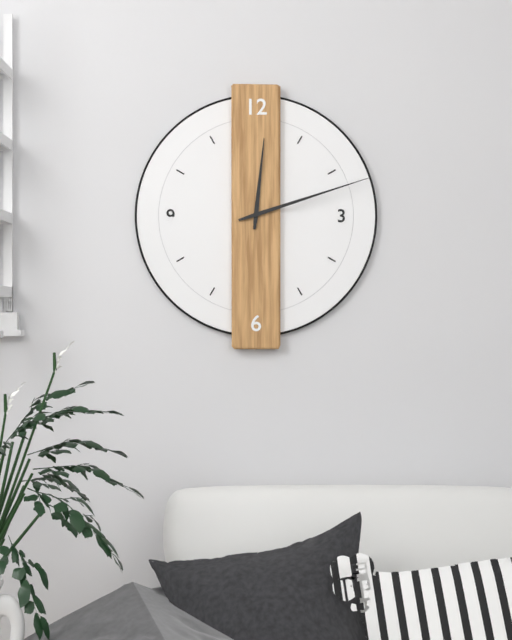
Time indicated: 12:12
